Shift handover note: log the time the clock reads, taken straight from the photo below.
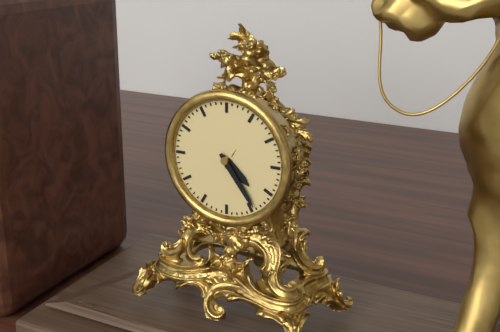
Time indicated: 4:24
